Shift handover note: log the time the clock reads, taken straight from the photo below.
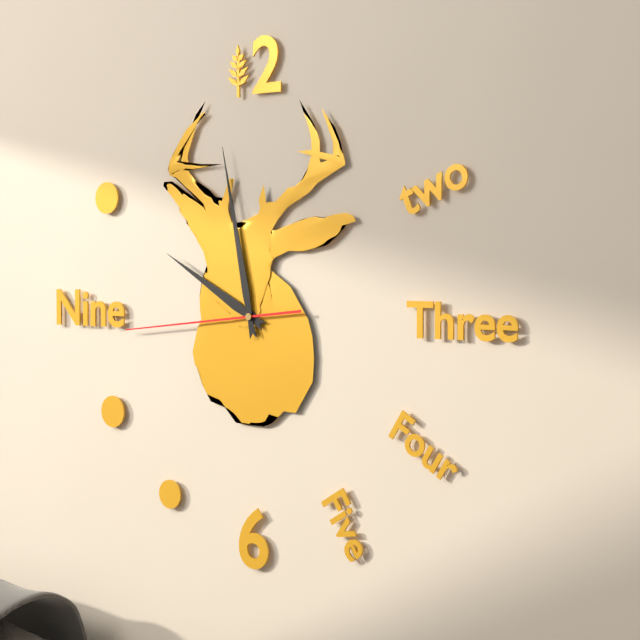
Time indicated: 9:58:44
